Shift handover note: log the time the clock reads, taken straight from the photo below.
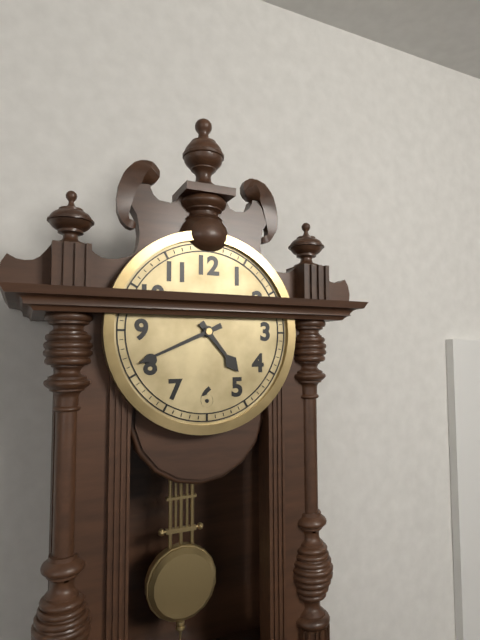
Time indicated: 4:41
